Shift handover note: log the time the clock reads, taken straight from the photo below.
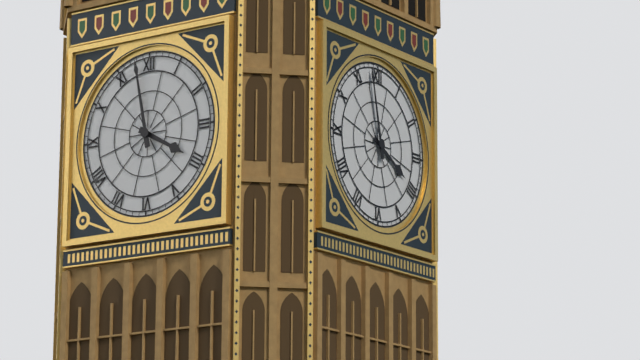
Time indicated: 3:58
